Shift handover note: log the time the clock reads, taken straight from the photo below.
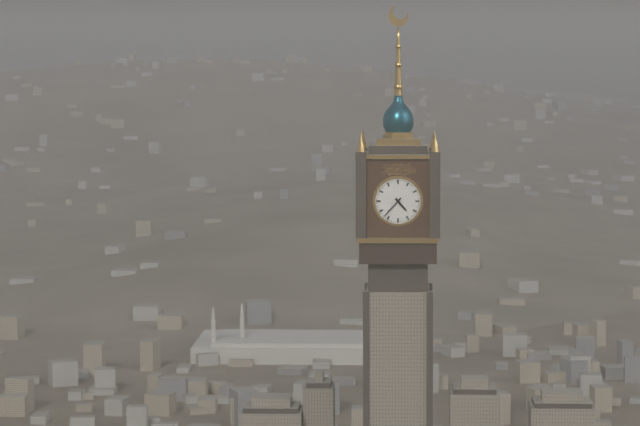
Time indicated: 4:37
